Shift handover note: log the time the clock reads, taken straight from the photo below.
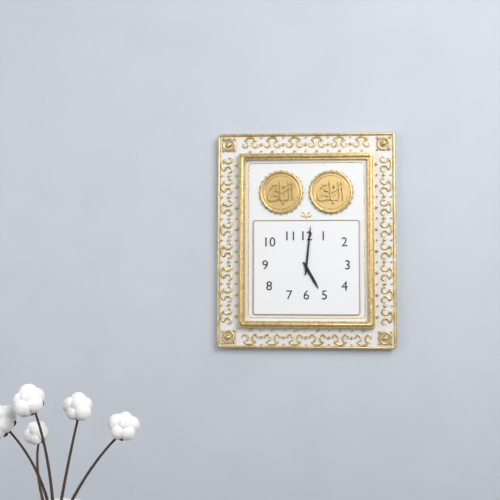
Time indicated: 5:01
